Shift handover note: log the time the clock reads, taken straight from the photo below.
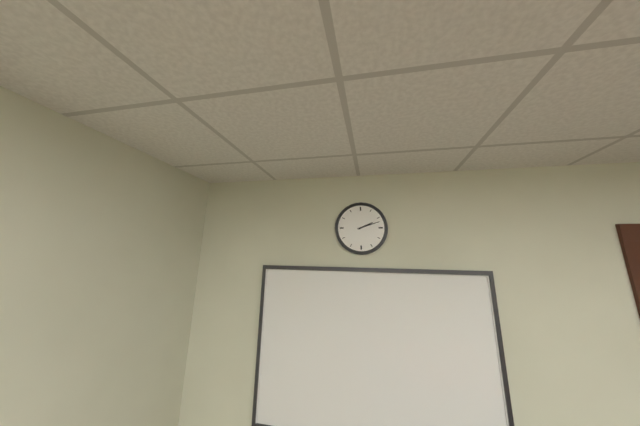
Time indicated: 2:12
